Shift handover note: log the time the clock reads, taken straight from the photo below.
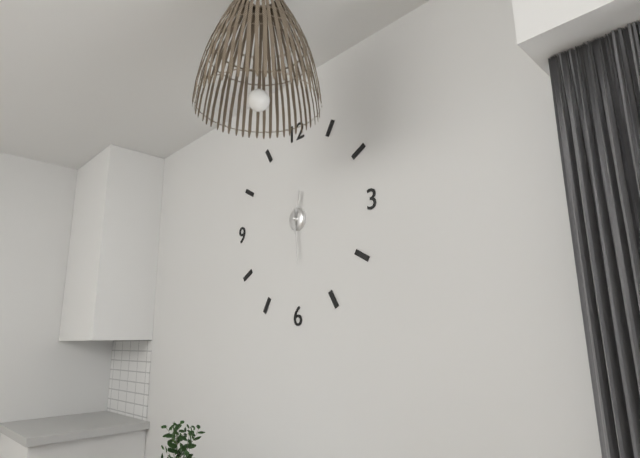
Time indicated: 12:29
